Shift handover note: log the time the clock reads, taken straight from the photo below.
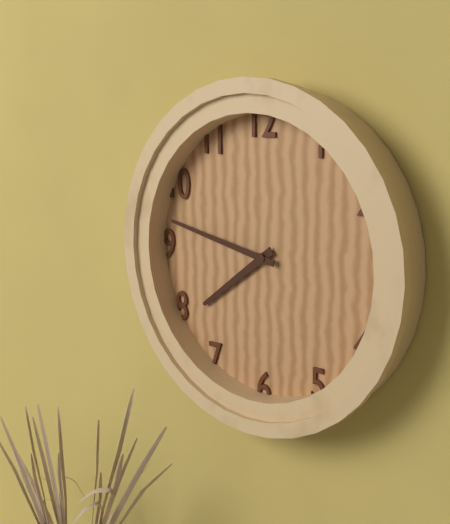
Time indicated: 7:47
